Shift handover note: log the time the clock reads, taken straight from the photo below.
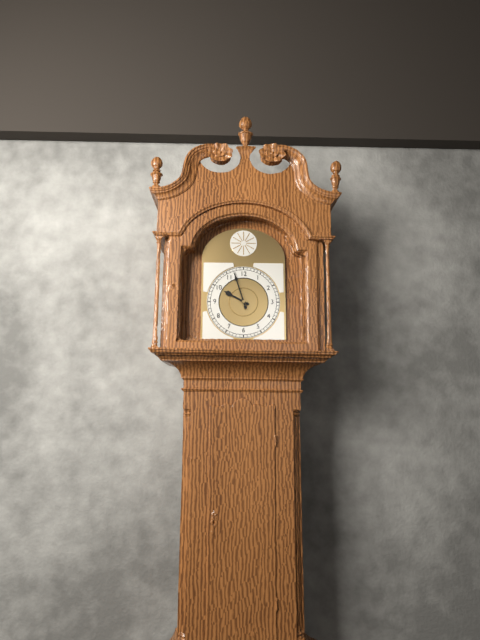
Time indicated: 9:57
